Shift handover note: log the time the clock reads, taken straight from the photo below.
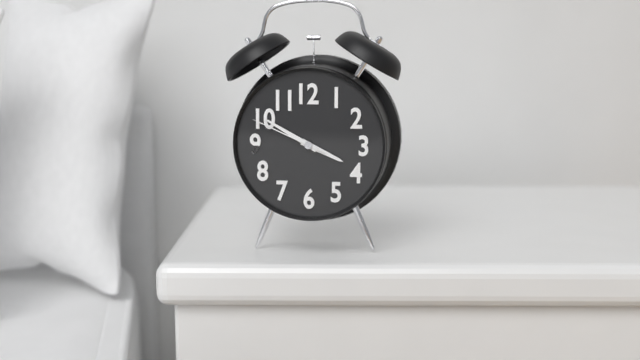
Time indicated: 3:50:49
